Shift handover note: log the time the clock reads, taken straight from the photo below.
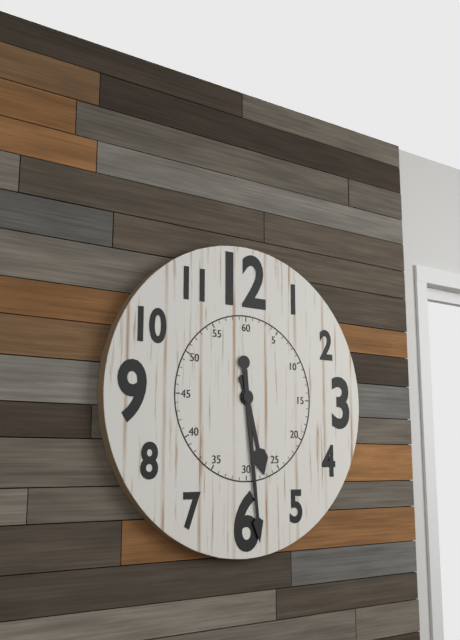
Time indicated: 5:29
